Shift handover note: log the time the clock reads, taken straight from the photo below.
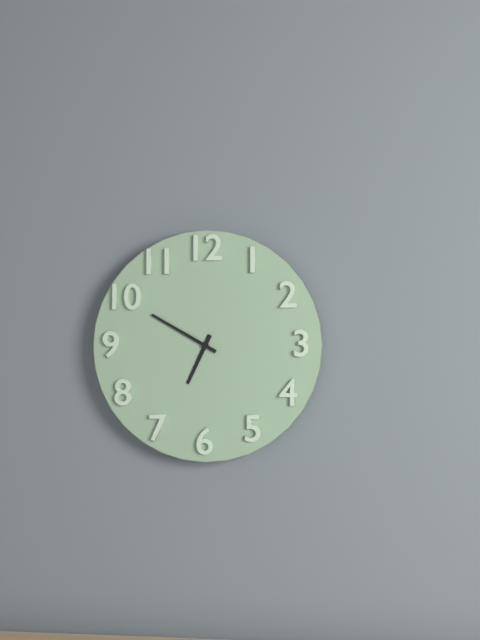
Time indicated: 6:50
